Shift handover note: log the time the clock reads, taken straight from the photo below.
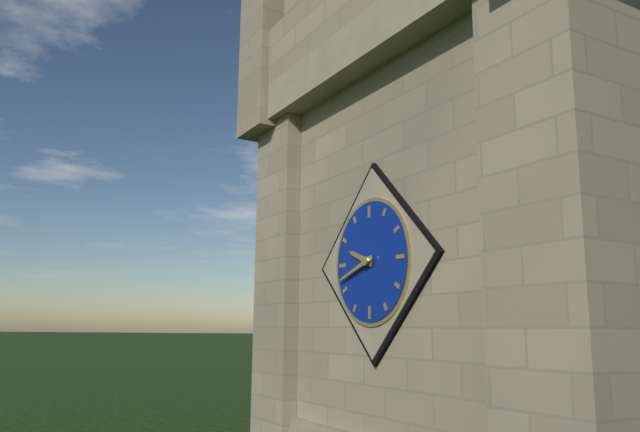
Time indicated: 9:42
